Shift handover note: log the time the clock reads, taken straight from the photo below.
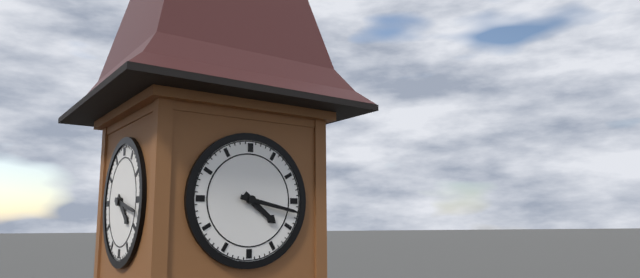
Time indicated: 4:17
